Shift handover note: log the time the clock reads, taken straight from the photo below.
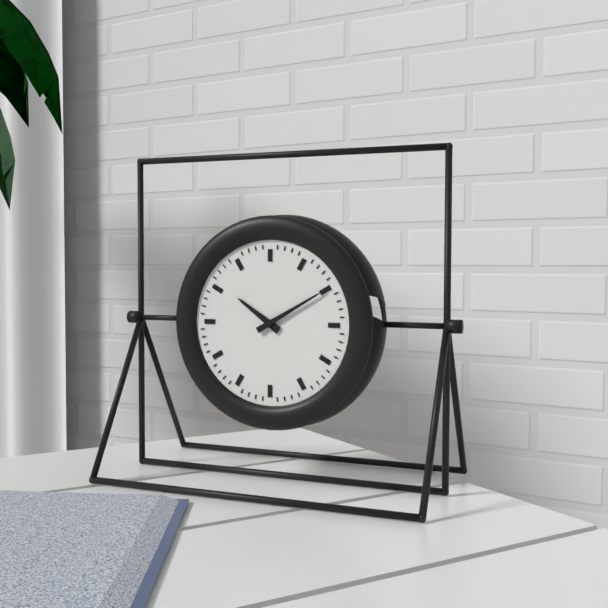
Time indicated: 10:10
